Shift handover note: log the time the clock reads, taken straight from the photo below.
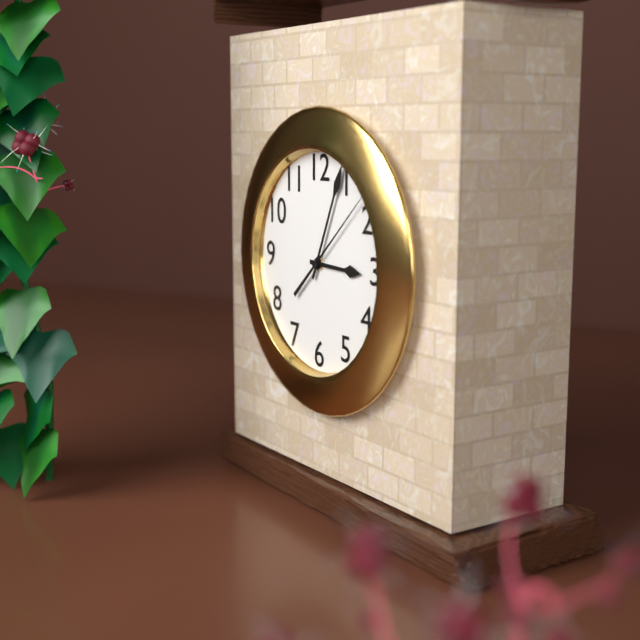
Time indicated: 3:04:08
